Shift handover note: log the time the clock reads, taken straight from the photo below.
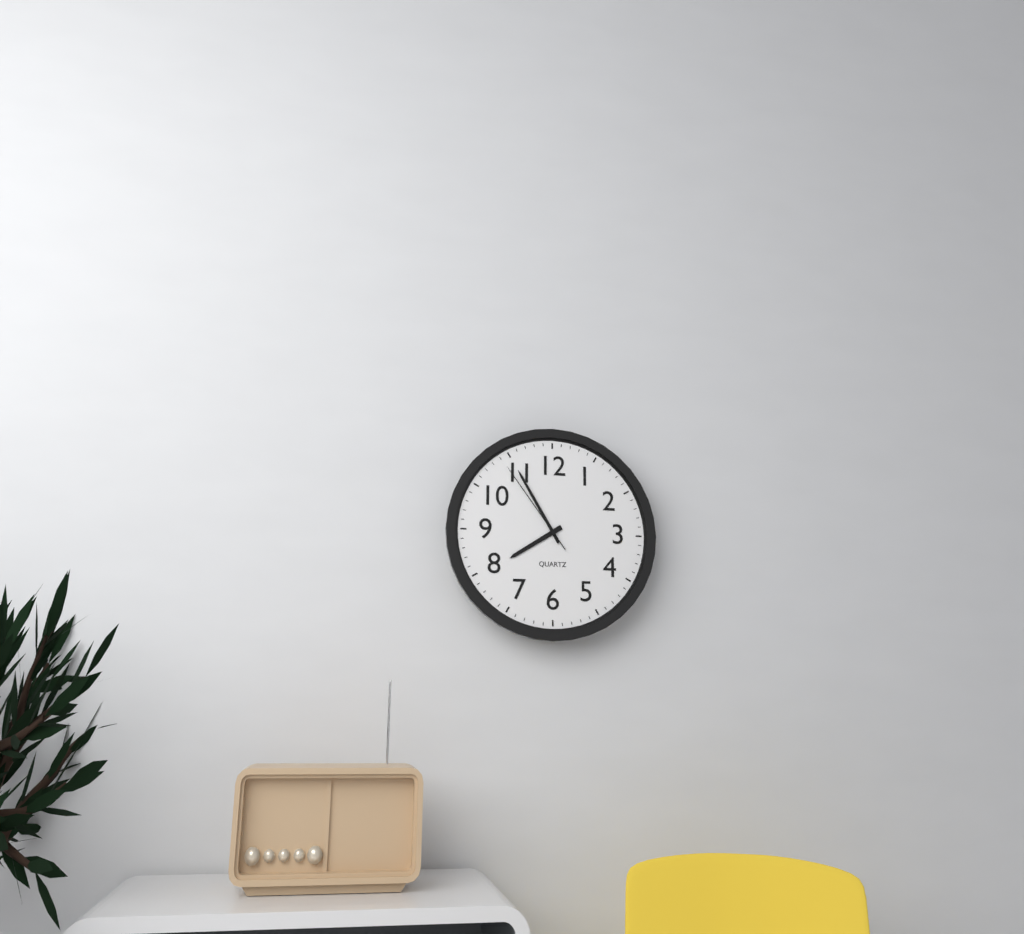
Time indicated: 7:55:54
